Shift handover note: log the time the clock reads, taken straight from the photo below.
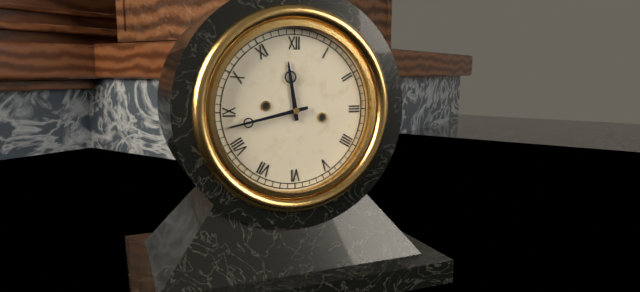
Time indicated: 11:43
